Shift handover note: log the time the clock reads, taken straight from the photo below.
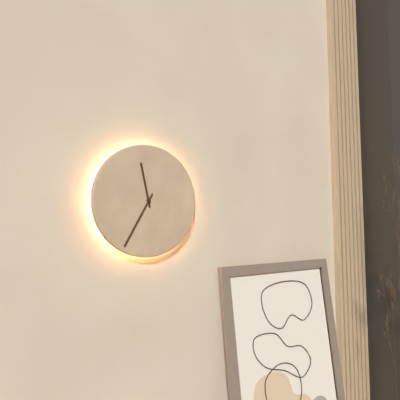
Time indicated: 11:35
